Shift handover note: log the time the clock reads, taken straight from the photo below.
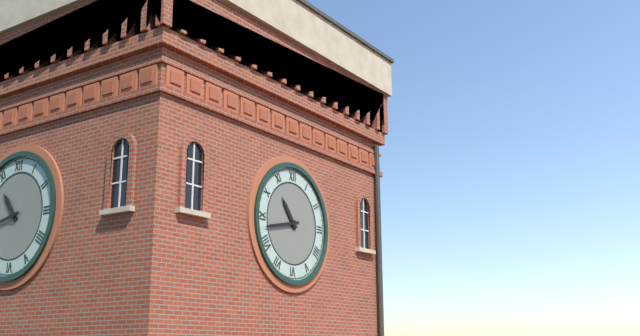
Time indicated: 10:43
